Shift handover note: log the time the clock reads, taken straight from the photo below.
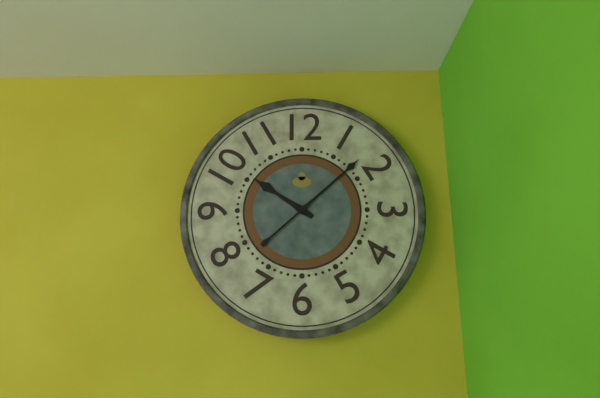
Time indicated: 10:08
